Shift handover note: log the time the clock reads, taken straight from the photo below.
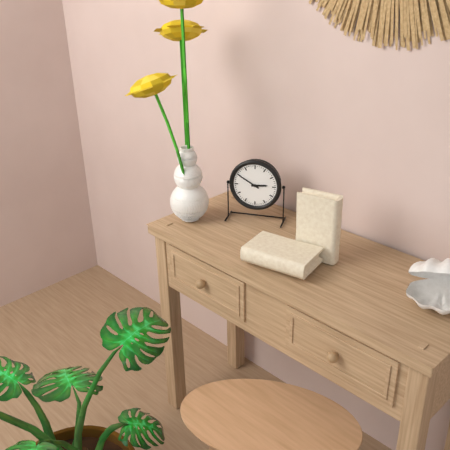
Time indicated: 2:50
